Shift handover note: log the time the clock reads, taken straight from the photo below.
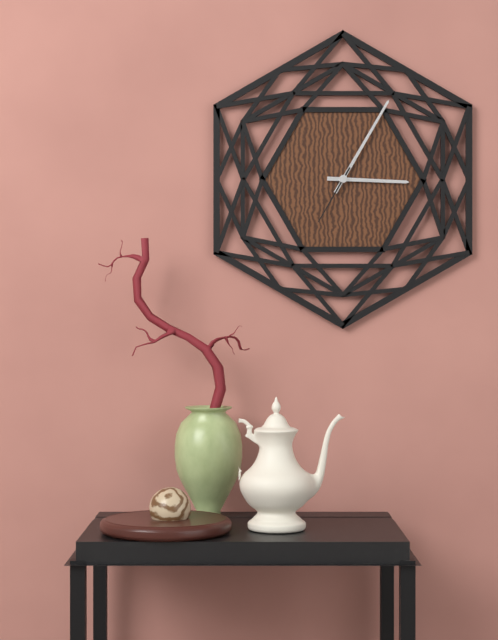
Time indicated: 3:05:35
